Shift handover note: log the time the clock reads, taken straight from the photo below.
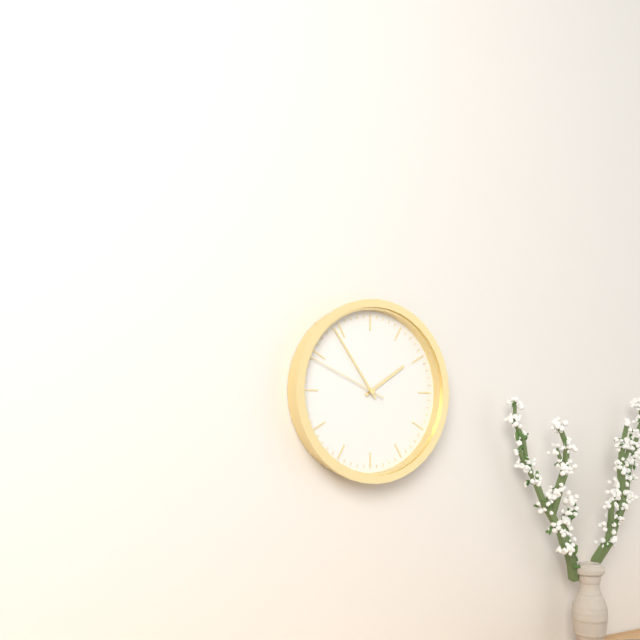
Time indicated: 1:54:49
